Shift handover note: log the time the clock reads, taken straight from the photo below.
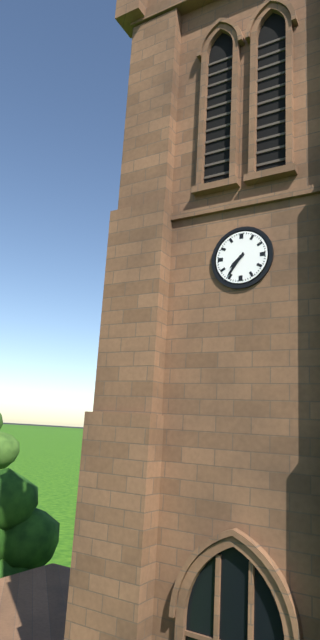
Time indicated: 7:36
